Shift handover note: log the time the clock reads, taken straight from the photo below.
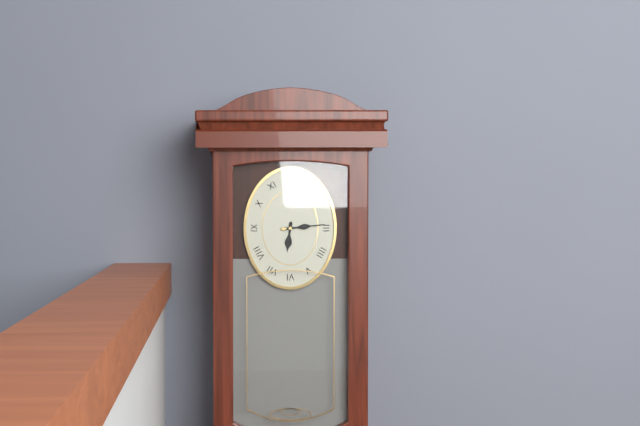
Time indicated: 6:14
